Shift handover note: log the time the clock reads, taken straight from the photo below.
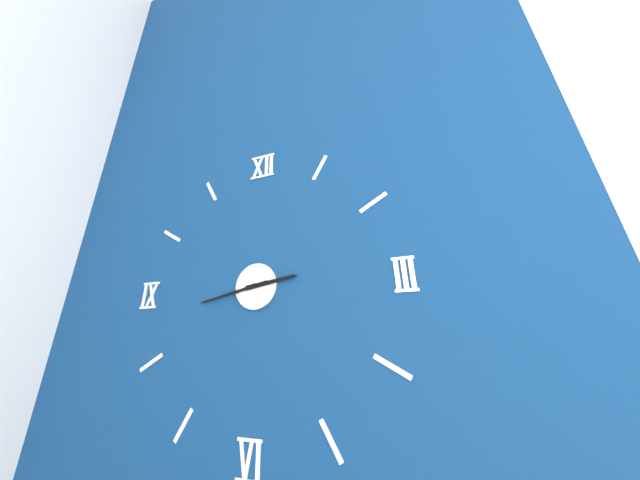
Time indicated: 2:43
